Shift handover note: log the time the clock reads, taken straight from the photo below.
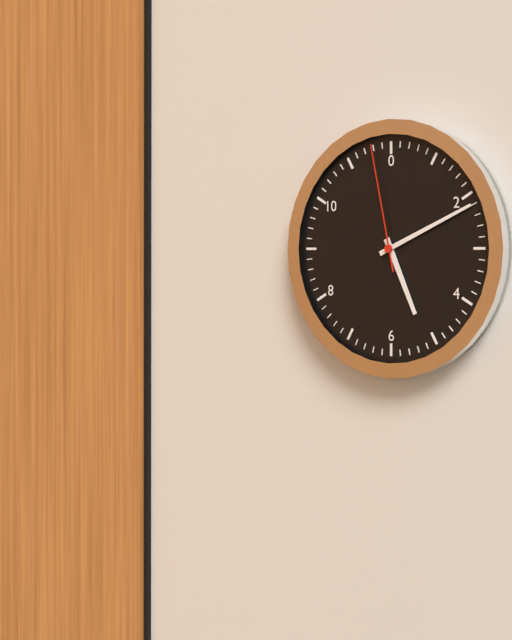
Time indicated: 5:11:58
